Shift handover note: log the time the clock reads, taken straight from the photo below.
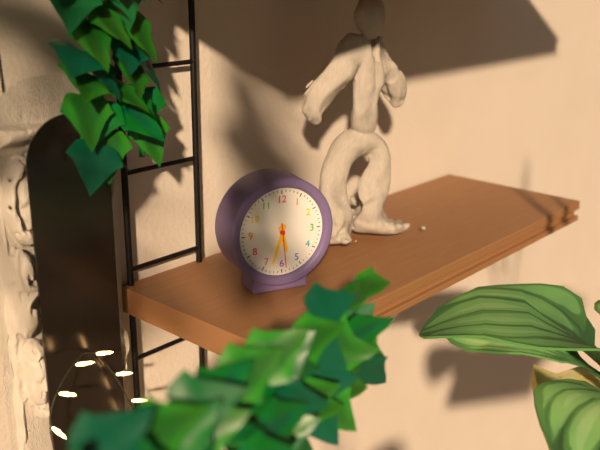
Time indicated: 5:33:29
